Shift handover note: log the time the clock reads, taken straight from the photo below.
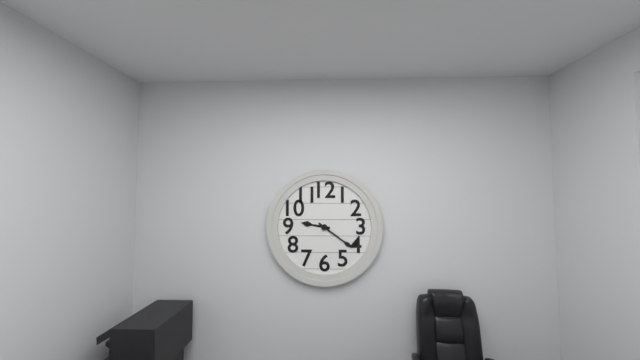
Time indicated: 9:21
